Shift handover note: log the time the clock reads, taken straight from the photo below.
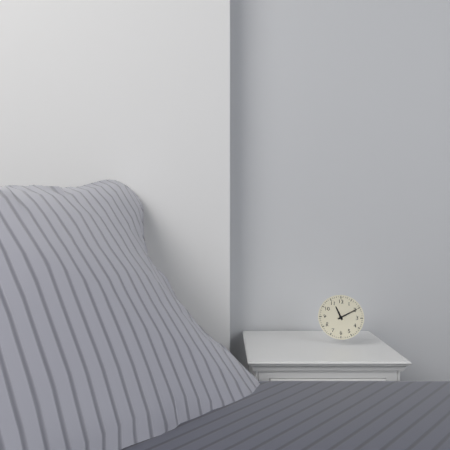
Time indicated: 11:10
